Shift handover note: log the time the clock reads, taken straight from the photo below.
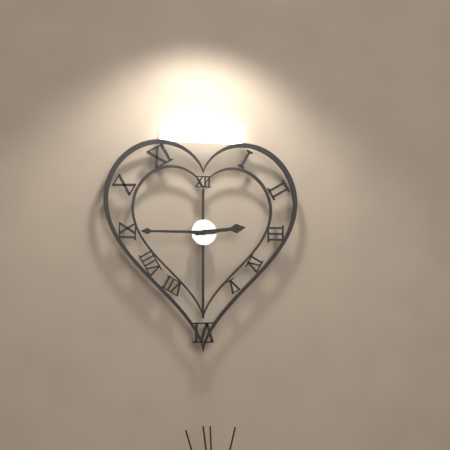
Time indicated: 2:45
